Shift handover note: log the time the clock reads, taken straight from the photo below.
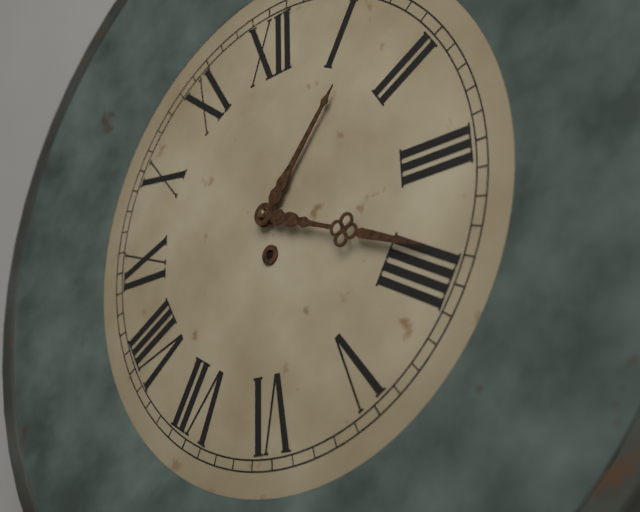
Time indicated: 1:19
